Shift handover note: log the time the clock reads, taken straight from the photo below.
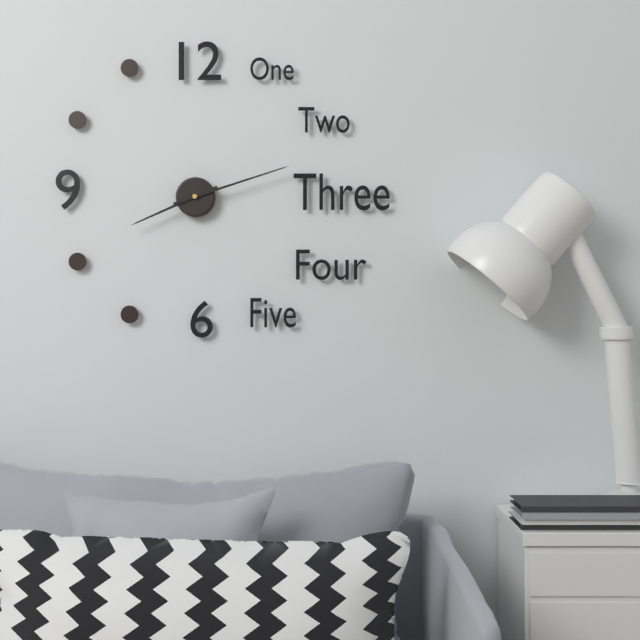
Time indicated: 8:12
